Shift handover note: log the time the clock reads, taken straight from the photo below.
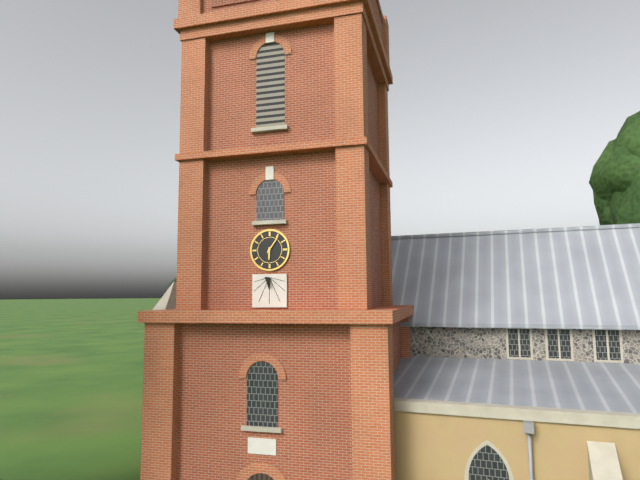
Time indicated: 6:06
